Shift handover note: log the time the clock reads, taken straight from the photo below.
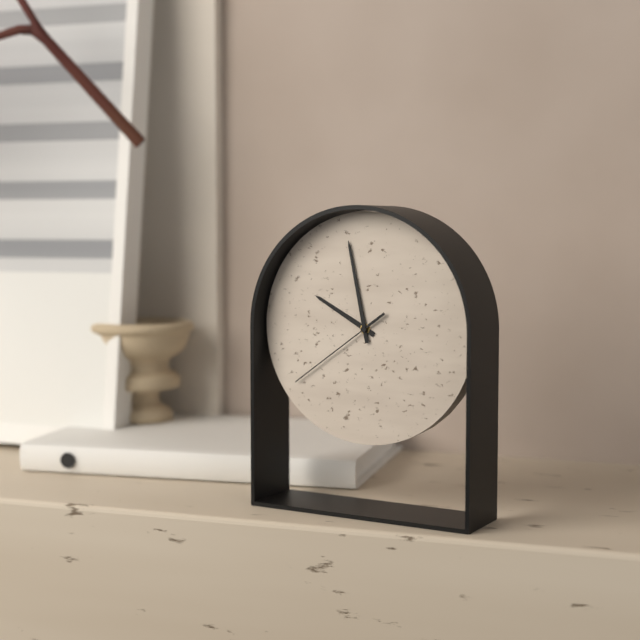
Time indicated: 9:58:39
